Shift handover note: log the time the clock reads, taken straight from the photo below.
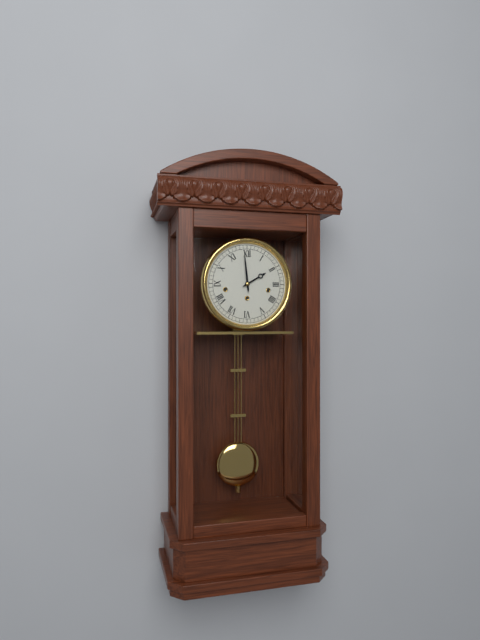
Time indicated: 1:59
